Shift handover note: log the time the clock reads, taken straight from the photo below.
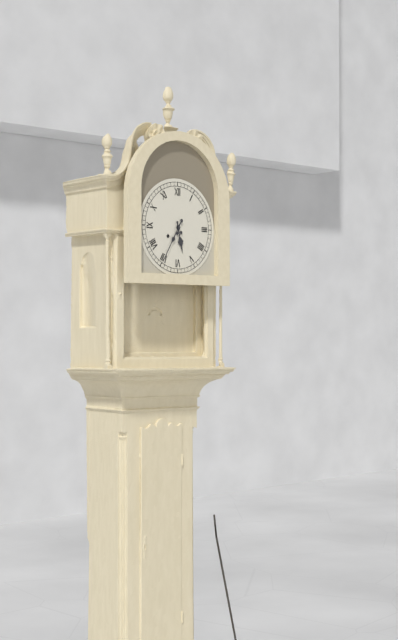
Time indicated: 5:35
